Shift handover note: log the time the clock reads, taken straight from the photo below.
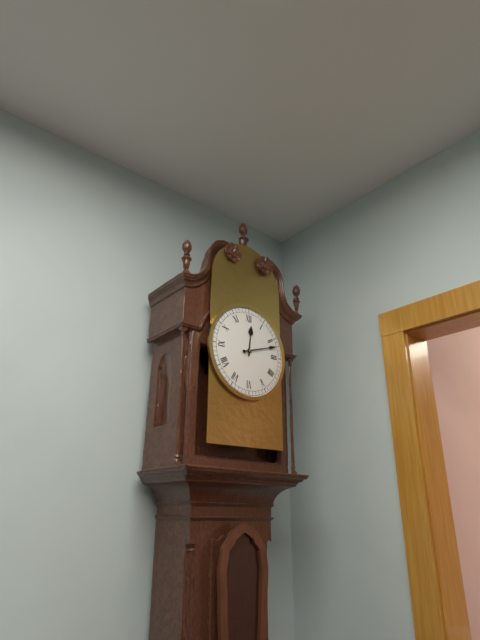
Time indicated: 12:12
